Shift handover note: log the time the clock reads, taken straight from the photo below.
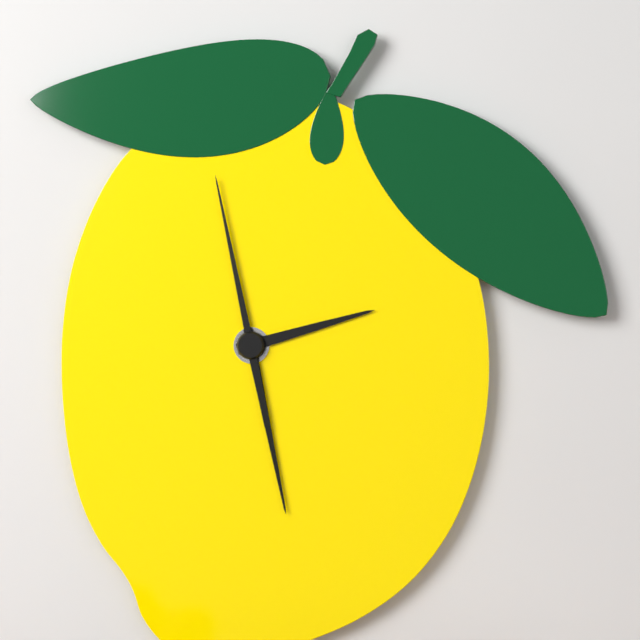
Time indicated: 2:28:58
